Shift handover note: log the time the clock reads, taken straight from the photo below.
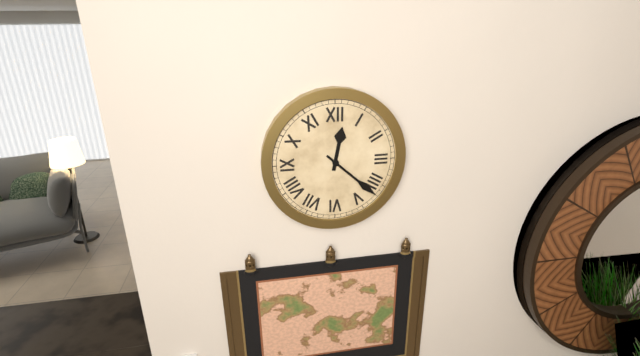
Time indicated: 12:22
